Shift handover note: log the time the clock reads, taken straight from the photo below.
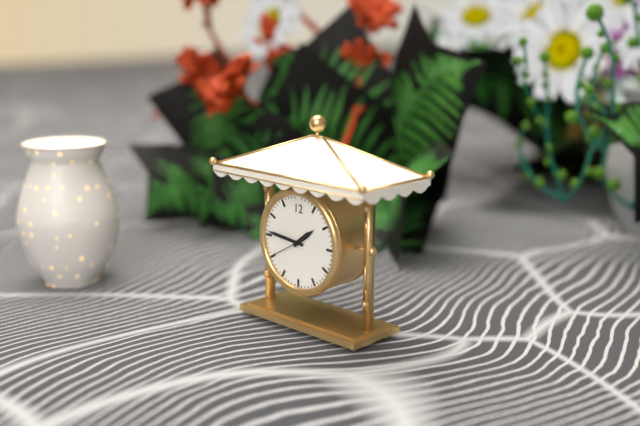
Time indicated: 1:46
